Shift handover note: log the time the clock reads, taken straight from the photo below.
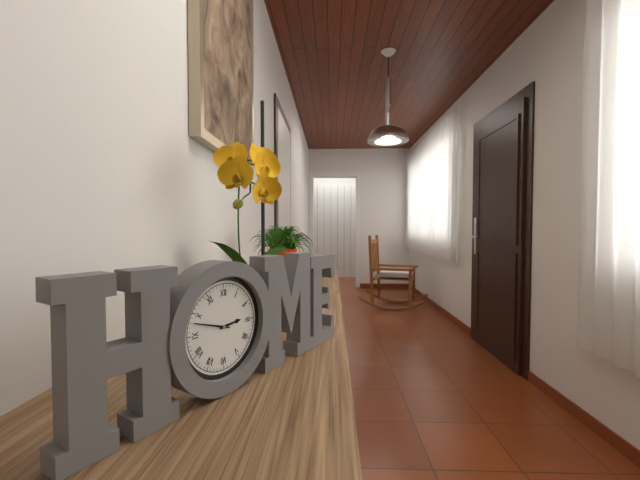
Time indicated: 2:48
